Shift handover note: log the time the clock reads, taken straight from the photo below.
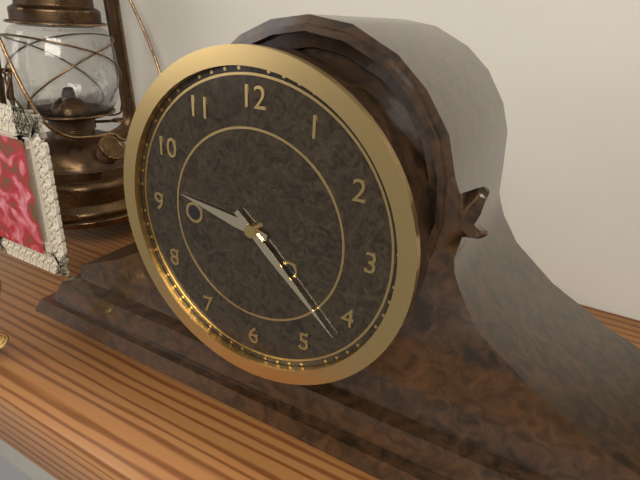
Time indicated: 9:22
